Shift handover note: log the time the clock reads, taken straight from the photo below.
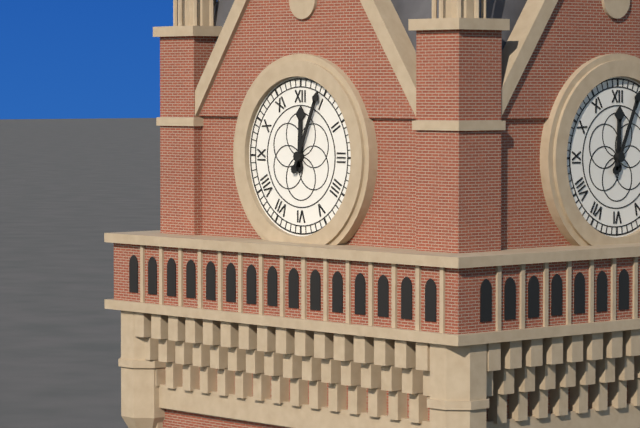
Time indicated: 12:04
